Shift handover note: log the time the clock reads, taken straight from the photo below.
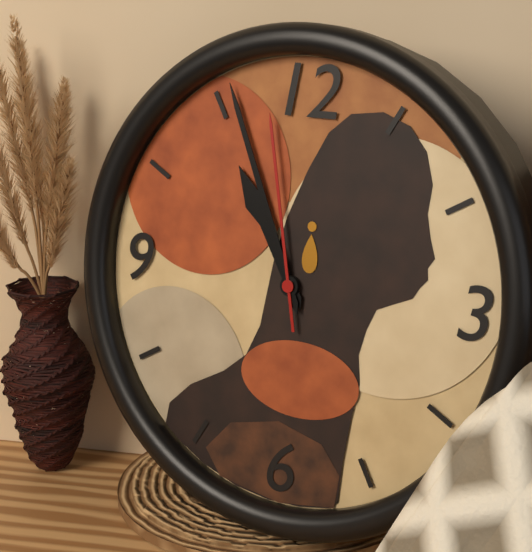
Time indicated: 10:56:58
